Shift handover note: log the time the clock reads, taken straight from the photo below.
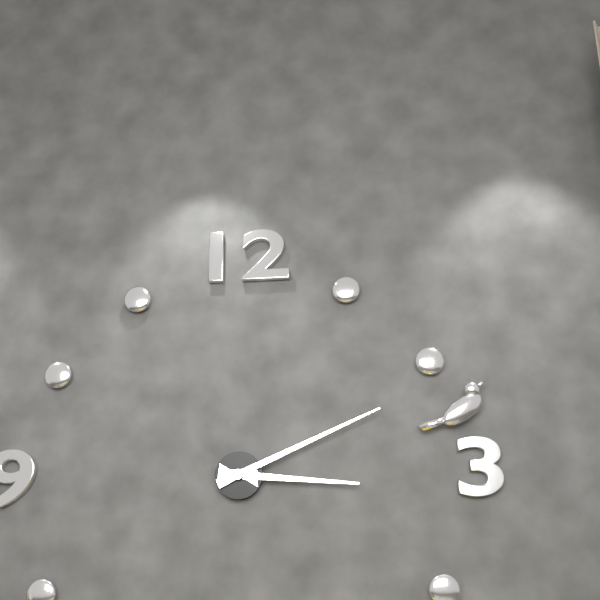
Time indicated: 3:11
